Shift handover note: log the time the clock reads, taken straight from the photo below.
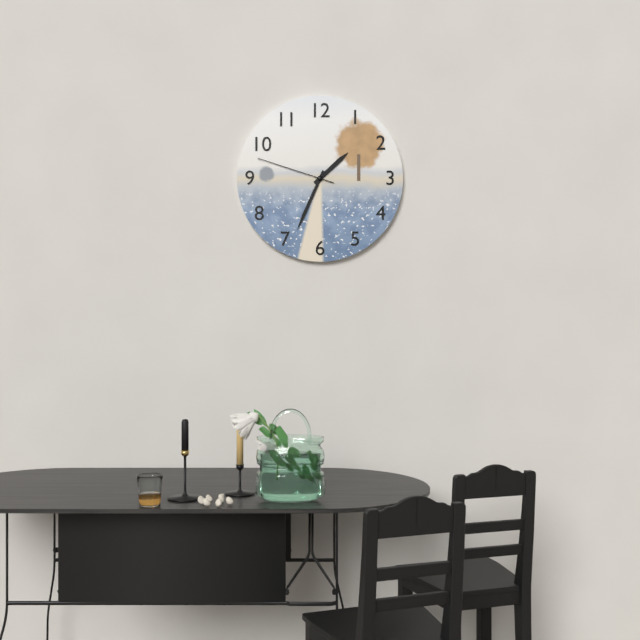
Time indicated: 1:34:48
